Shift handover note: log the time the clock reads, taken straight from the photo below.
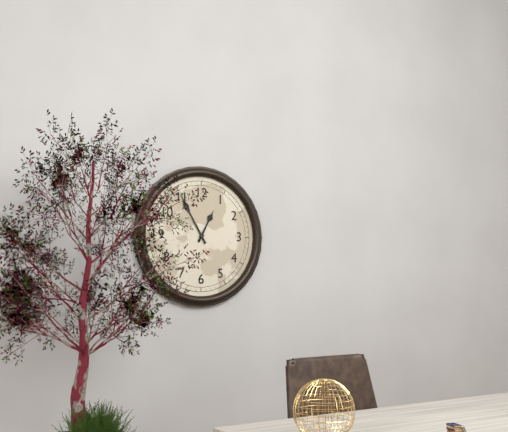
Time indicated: 12:55
